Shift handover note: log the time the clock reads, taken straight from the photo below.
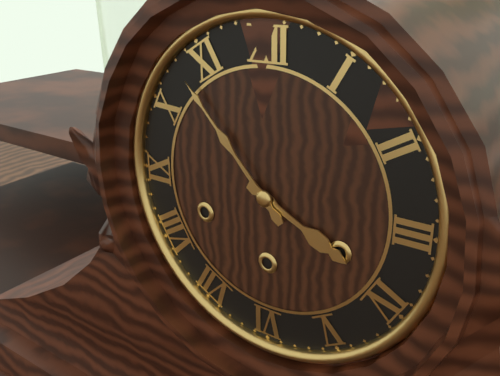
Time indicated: 3:53
